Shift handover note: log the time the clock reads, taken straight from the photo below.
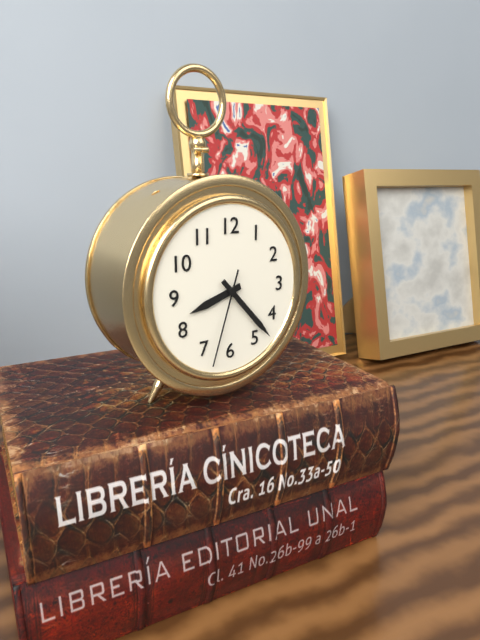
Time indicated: 8:23:33
